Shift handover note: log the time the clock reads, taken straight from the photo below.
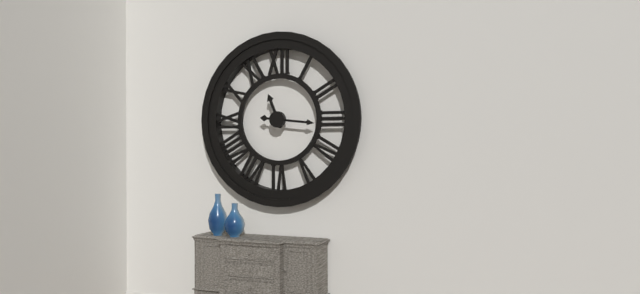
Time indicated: 11:16
